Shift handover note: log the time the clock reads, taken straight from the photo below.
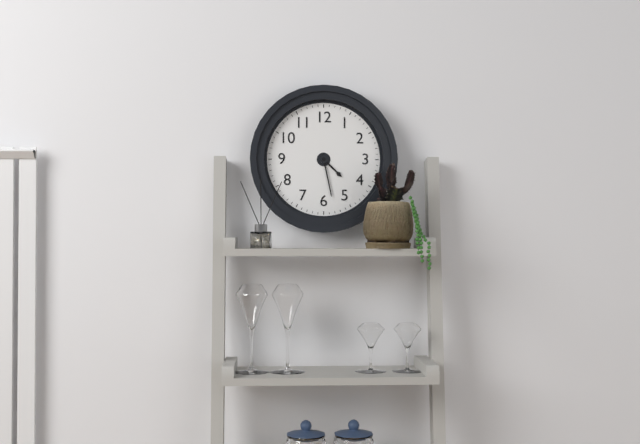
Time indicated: 4:28
